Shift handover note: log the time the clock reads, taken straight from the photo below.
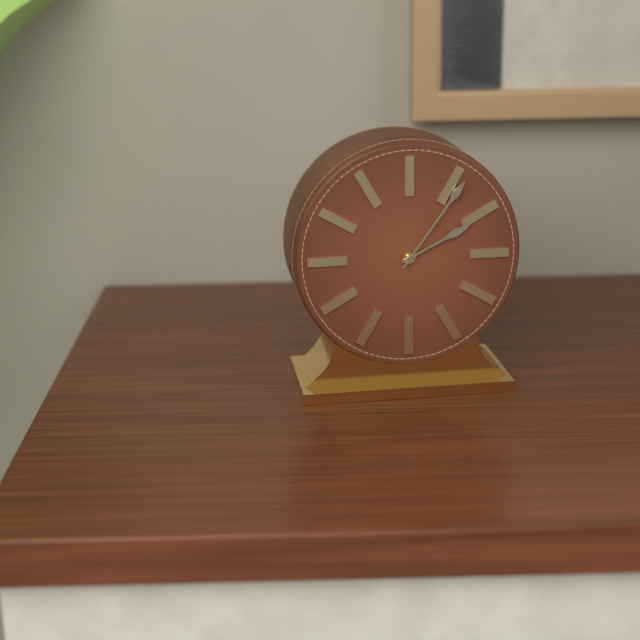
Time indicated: 2:06
